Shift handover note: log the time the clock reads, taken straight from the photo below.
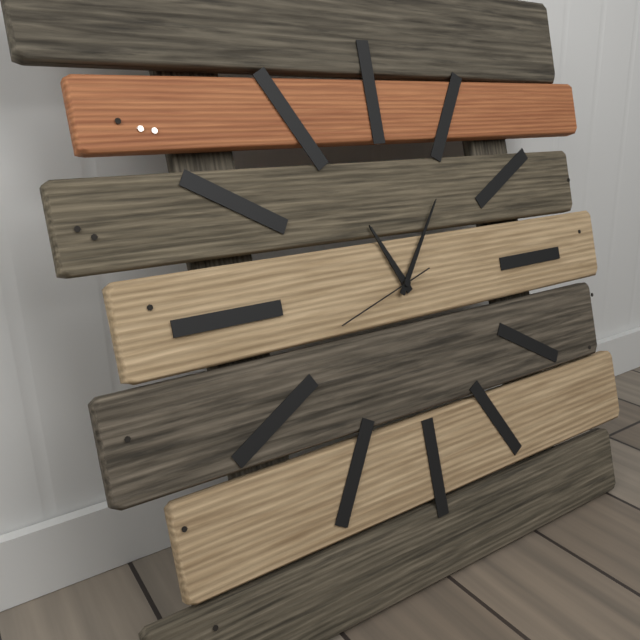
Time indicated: 11:06:42
